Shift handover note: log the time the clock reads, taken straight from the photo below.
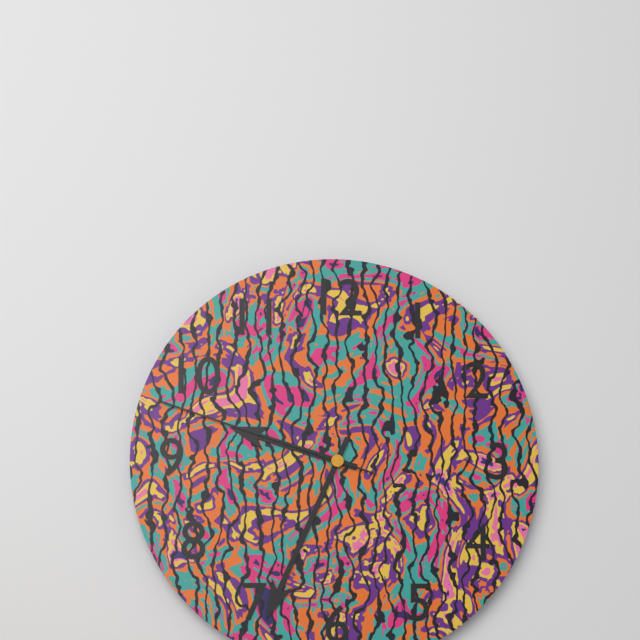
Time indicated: 9:34:48
